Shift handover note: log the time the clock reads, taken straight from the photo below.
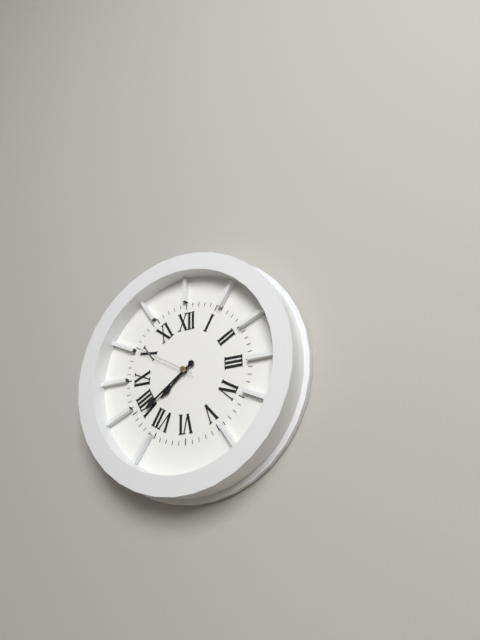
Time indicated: 7:39:50
